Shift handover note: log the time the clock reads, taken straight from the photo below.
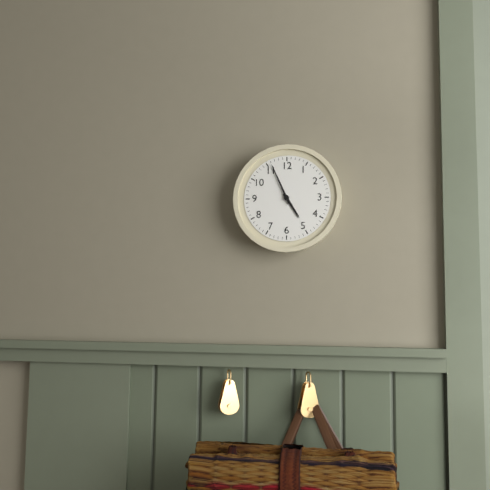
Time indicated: 4:56
